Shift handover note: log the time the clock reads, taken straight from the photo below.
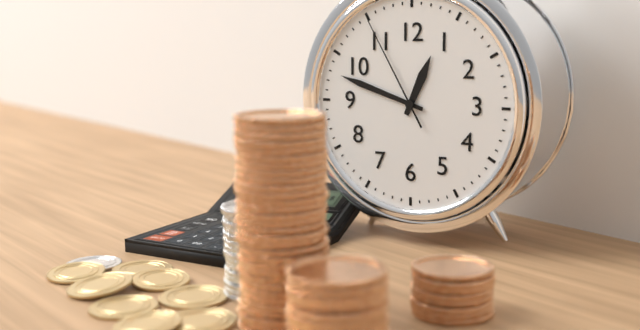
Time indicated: 12:48:55
